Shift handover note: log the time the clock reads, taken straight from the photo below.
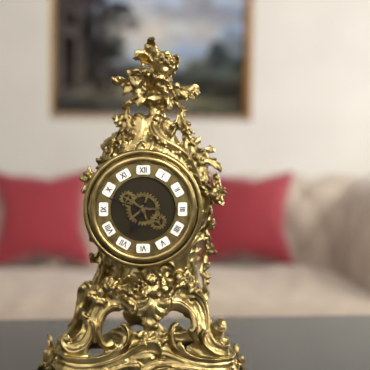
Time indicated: 6:48
